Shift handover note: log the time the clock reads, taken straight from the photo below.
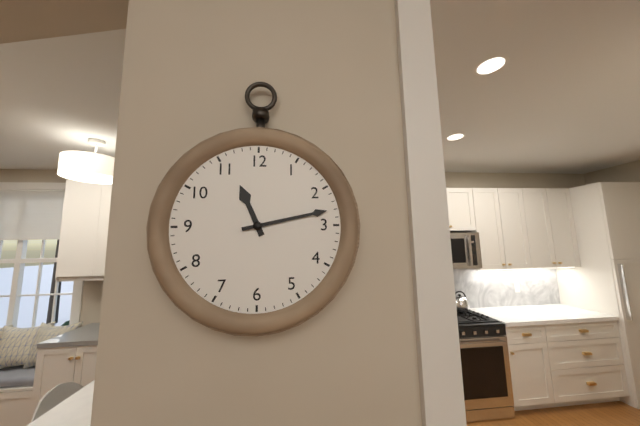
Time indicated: 11:13
